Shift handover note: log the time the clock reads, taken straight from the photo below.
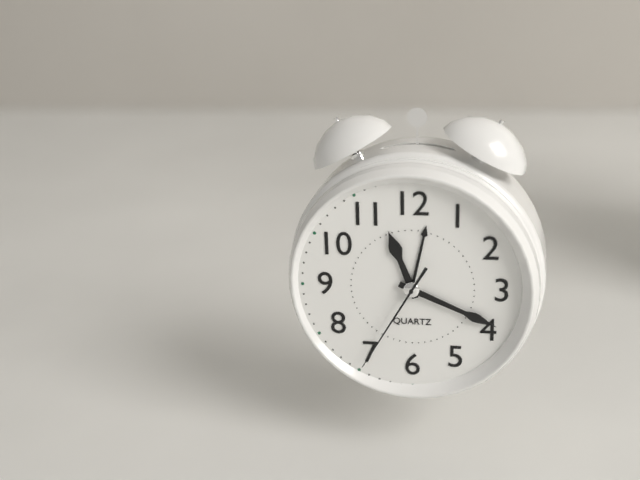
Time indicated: 11:19:35
